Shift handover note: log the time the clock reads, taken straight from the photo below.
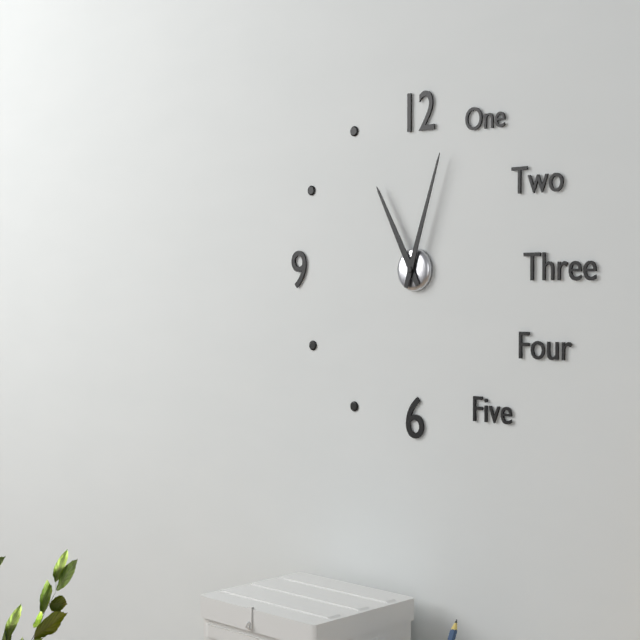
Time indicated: 11:03
